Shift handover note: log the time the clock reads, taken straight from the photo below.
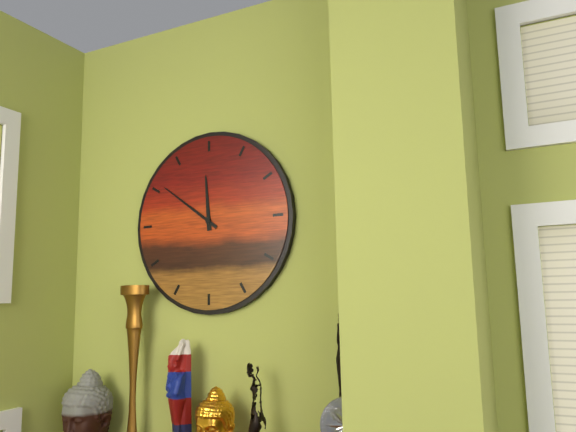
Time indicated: 11:51
